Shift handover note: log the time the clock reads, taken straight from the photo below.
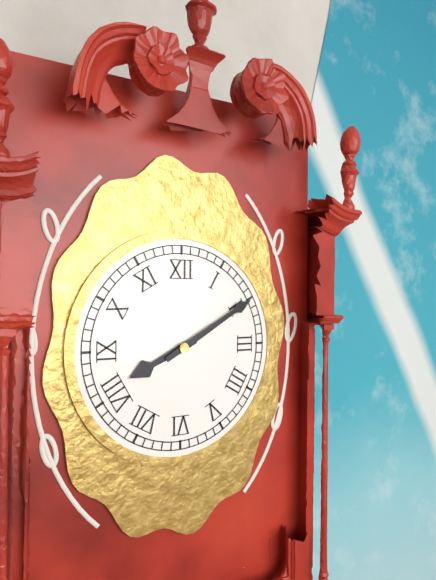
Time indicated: 8:10
